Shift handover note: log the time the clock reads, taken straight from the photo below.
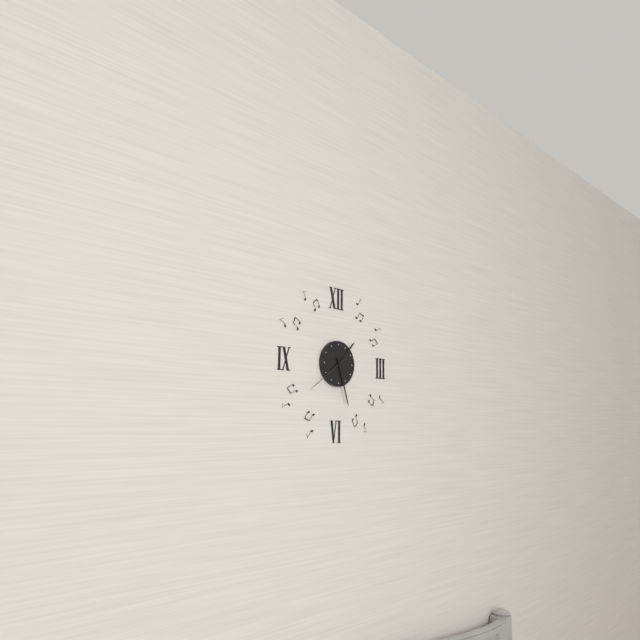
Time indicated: 1:27
